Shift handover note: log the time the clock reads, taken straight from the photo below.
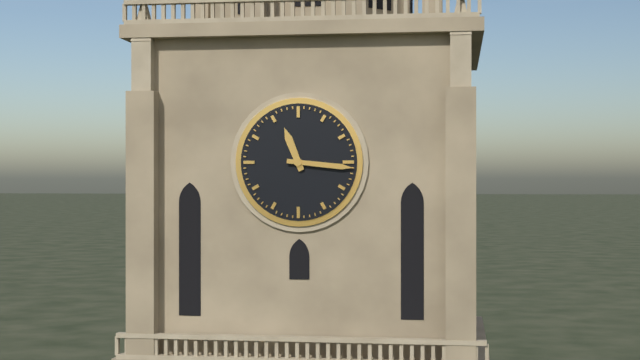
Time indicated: 11:16
